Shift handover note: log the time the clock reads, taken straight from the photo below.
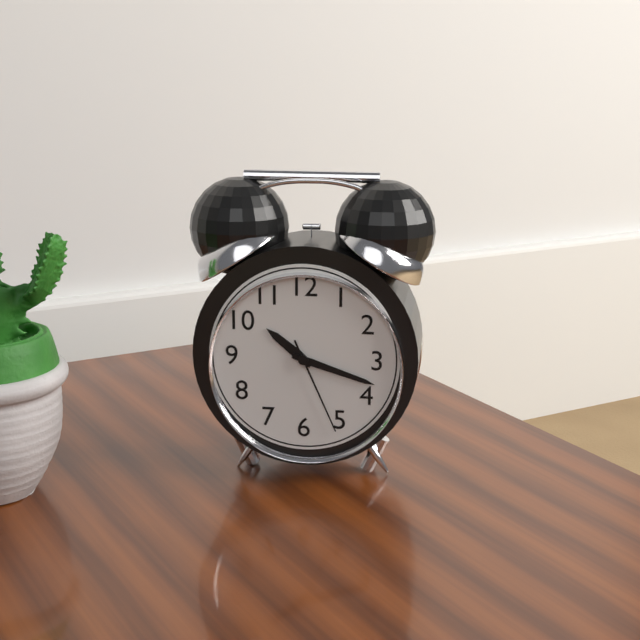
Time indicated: 10:18:26
